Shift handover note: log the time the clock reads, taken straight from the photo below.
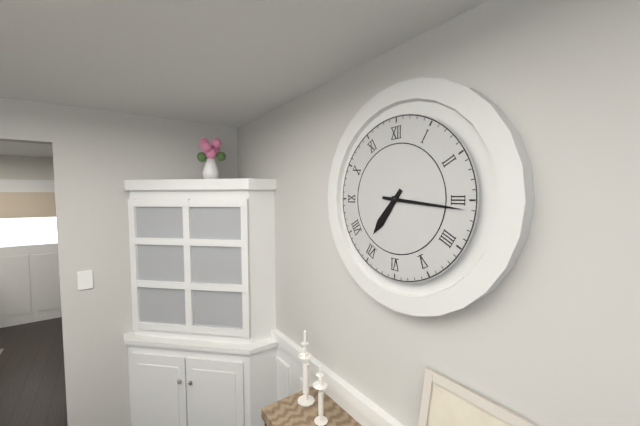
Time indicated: 7:16
